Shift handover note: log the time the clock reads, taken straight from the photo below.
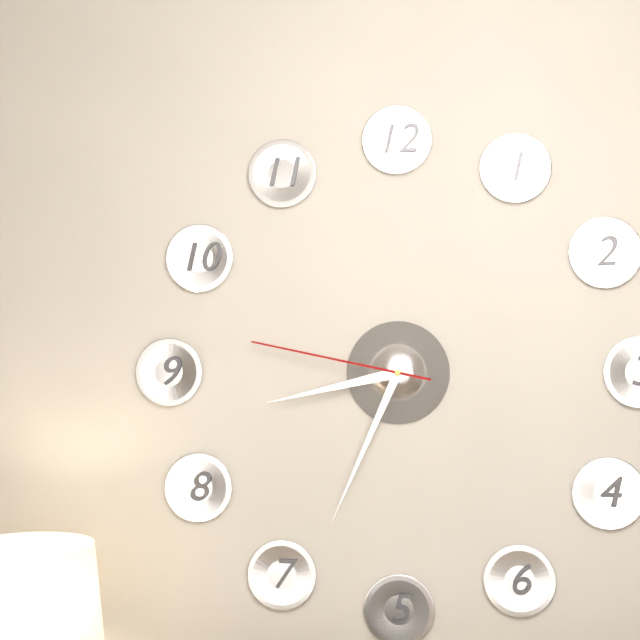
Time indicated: 8:34:47
